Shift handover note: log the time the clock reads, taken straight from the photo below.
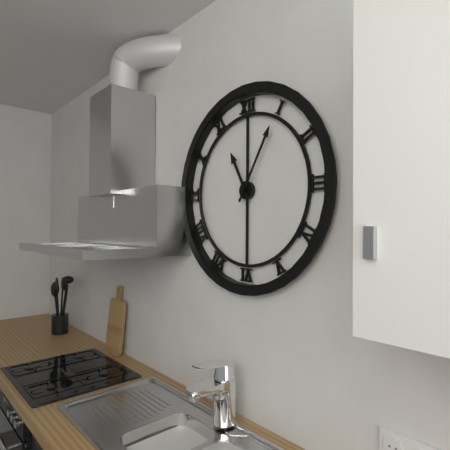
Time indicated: 11:05
